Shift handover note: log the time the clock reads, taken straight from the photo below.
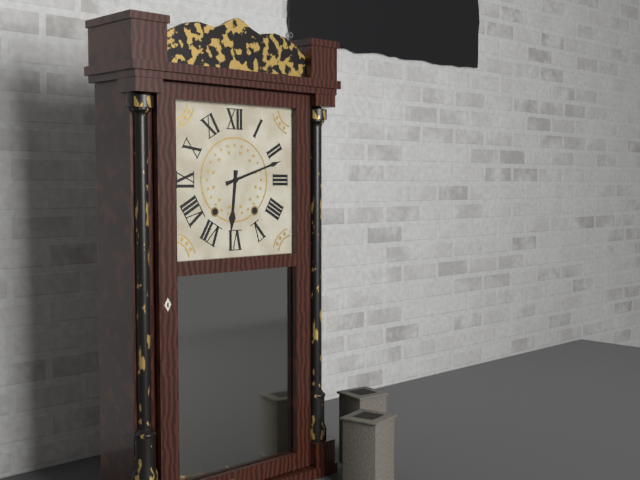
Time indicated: 6:12
